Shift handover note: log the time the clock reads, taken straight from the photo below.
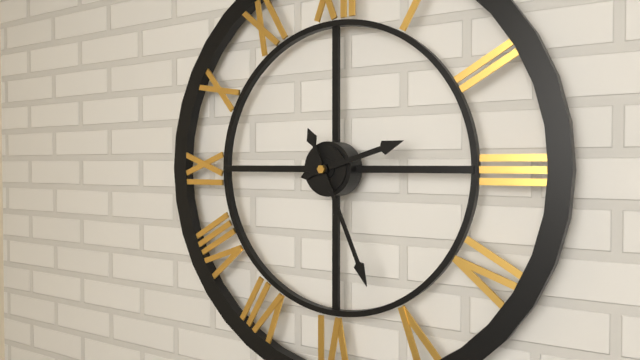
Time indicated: 2:26
